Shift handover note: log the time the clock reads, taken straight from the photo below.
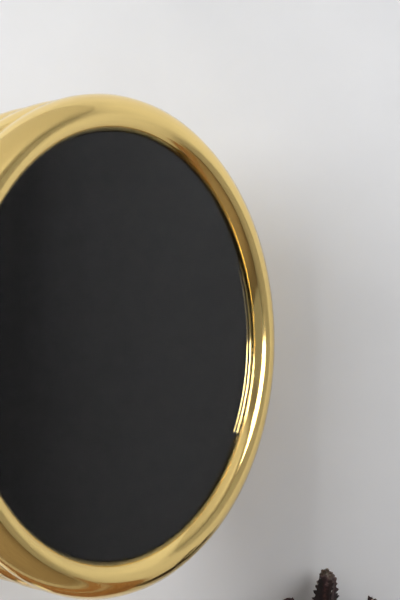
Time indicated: 4:35:18
